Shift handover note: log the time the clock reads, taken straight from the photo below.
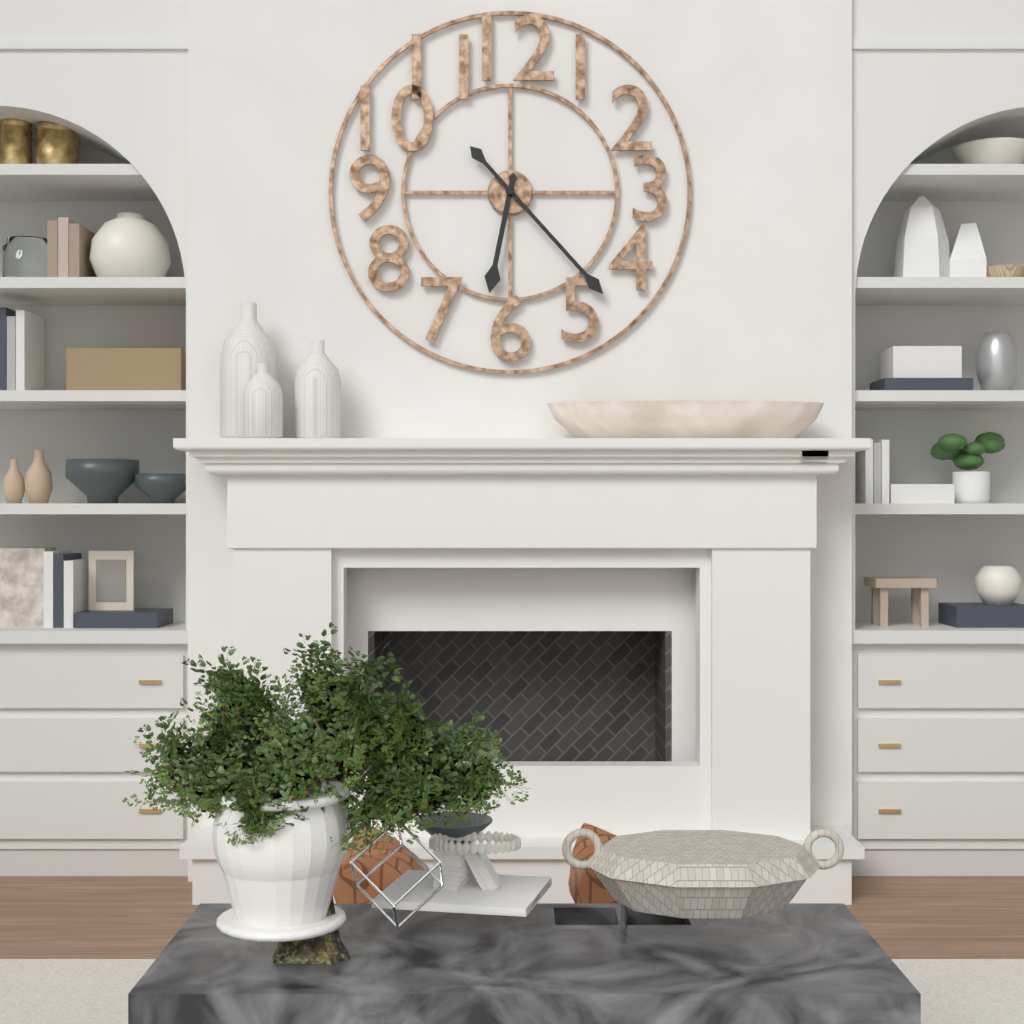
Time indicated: 6:23
